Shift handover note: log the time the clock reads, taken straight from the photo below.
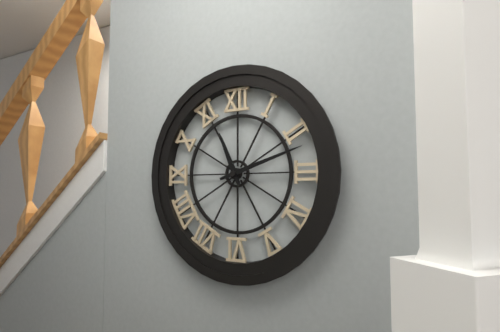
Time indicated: 11:12
